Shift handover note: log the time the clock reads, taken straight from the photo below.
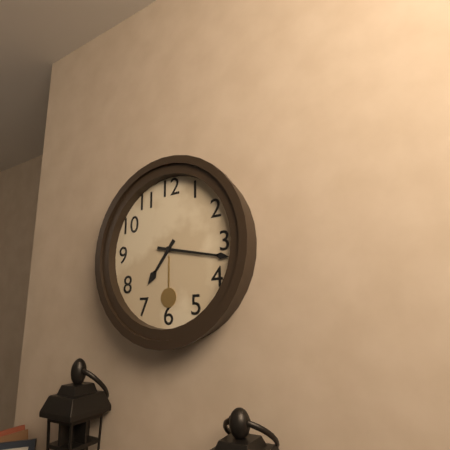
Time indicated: 7:17
